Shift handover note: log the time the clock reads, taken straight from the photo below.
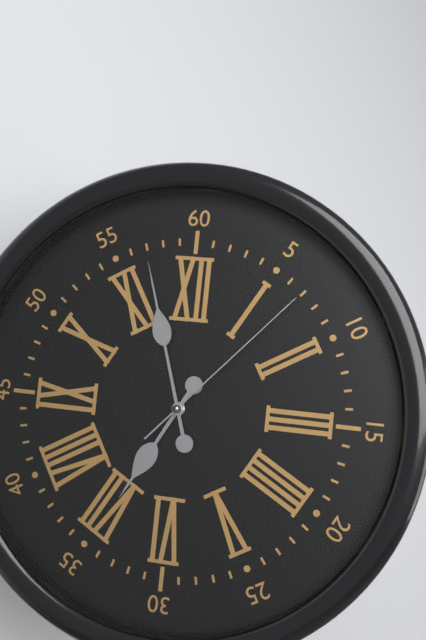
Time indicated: 6:57:07
